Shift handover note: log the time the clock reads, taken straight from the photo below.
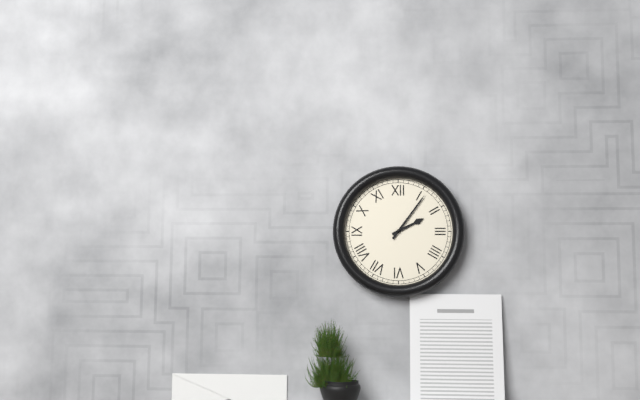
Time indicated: 2:06
